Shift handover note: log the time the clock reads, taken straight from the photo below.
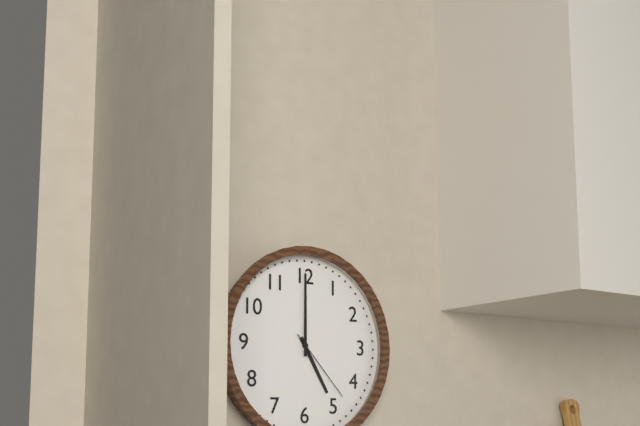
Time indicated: 5:00:23
